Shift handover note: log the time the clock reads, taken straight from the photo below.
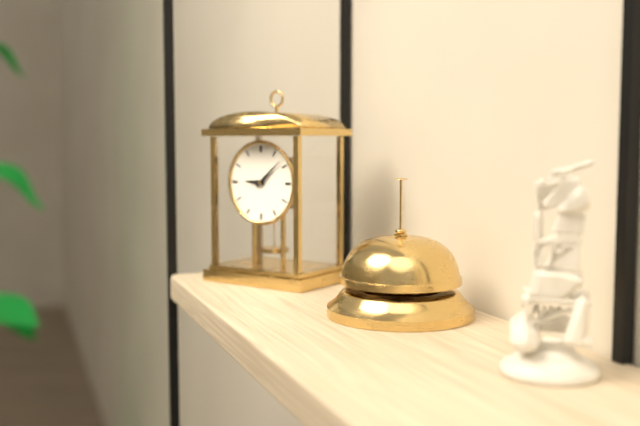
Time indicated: 9:08
